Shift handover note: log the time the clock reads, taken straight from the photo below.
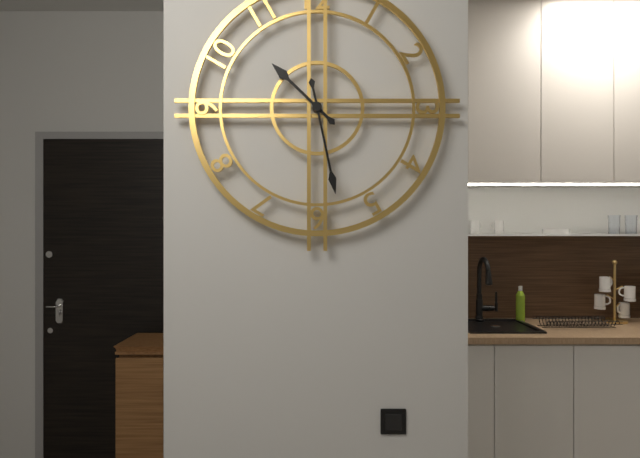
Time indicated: 10:28
